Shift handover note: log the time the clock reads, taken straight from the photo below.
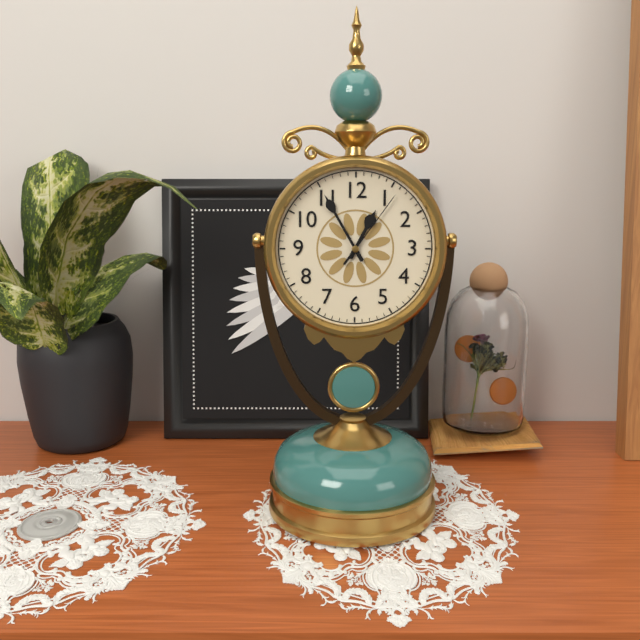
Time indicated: 12:55:06
